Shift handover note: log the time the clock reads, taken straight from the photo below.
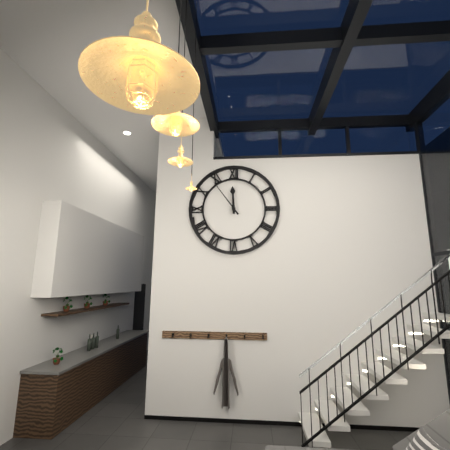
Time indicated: 11:54
